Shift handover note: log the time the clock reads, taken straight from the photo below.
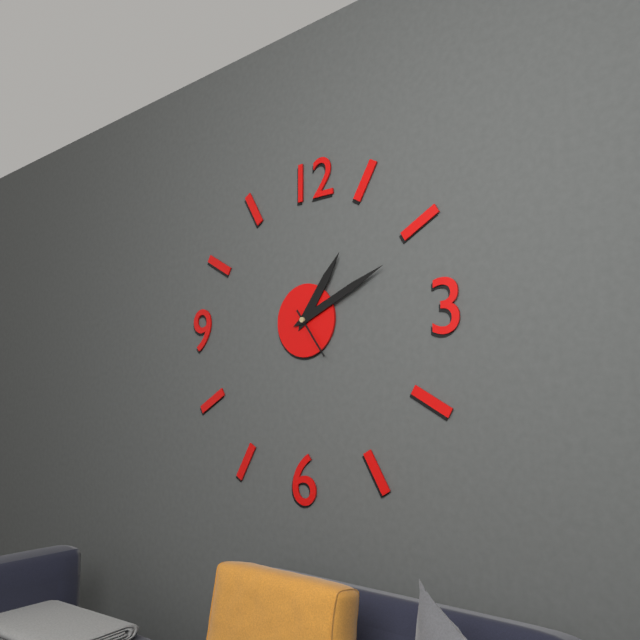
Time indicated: 1:11
